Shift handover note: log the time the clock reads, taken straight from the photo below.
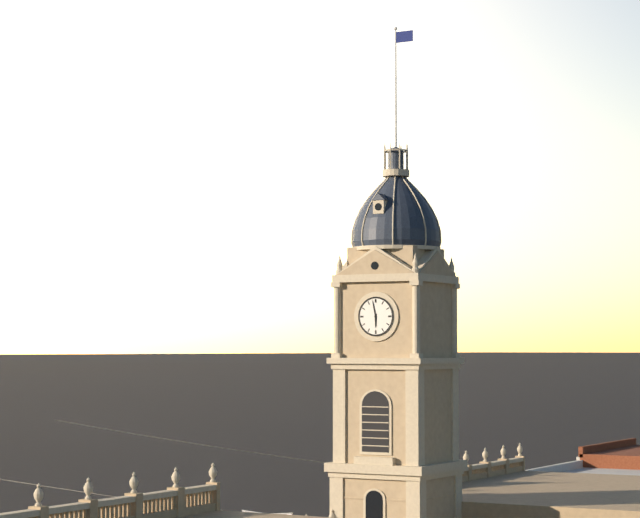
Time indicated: 5:58
